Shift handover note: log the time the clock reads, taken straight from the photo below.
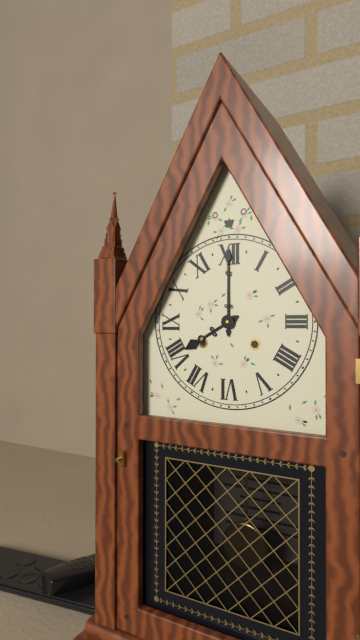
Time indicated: 8:00
